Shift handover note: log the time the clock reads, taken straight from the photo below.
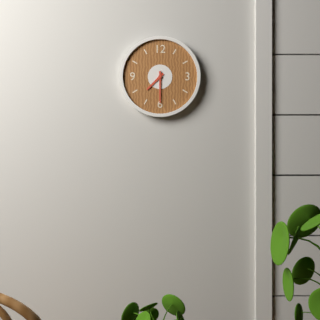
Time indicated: 7:30
